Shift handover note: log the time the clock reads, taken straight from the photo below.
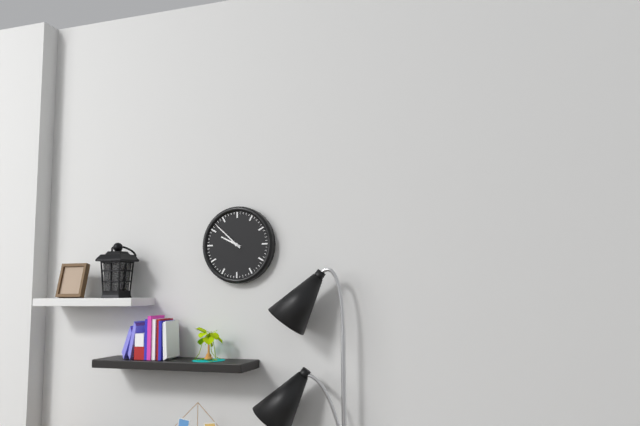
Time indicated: 9:52
